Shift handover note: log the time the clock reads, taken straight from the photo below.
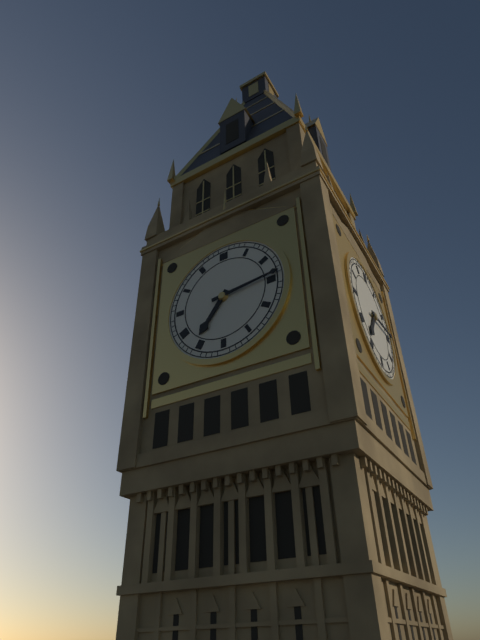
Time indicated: 7:14
